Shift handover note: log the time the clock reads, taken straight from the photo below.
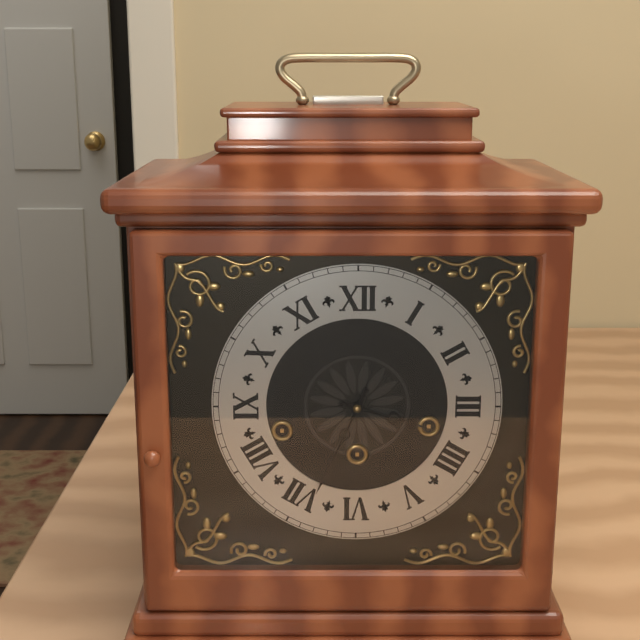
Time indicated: 3:34
